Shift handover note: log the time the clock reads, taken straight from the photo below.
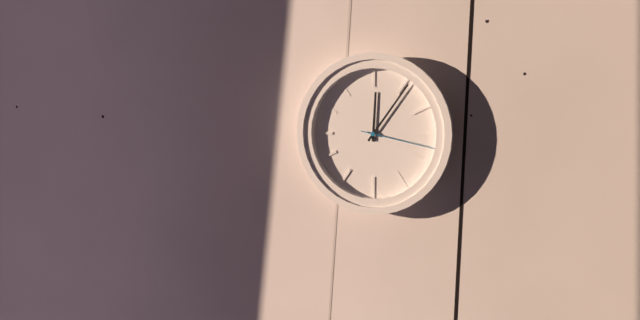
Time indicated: 12:06:17
